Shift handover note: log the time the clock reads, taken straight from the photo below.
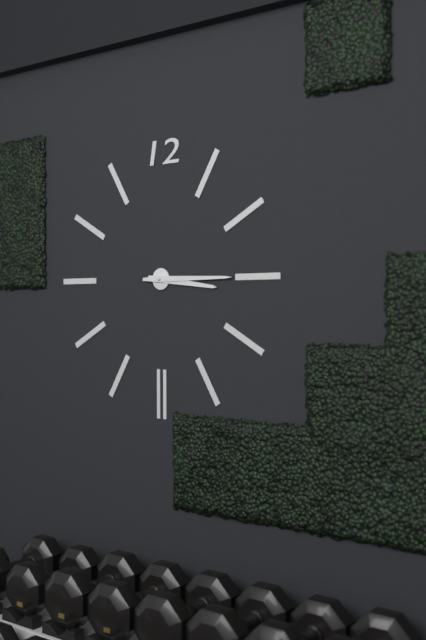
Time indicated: 3:15
